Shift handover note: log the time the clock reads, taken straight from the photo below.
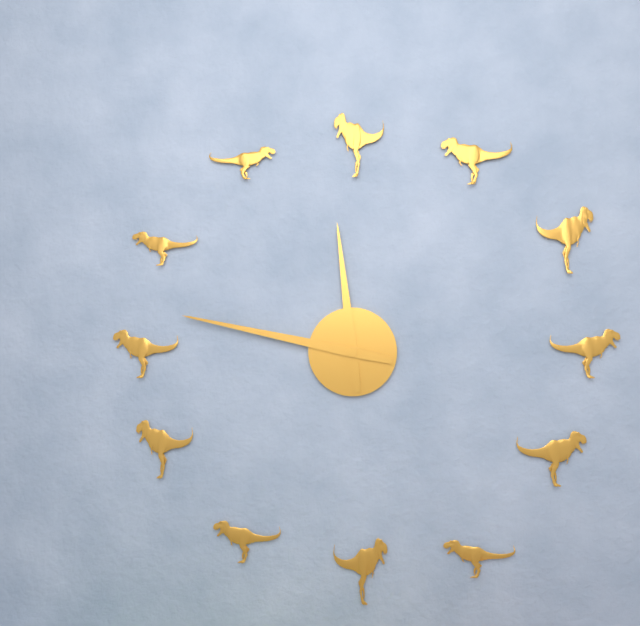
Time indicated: 11:47
